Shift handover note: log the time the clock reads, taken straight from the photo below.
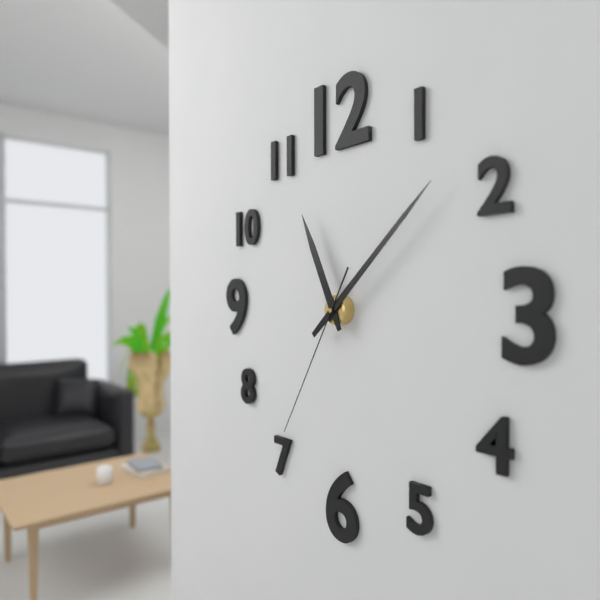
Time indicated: 11:08:35
